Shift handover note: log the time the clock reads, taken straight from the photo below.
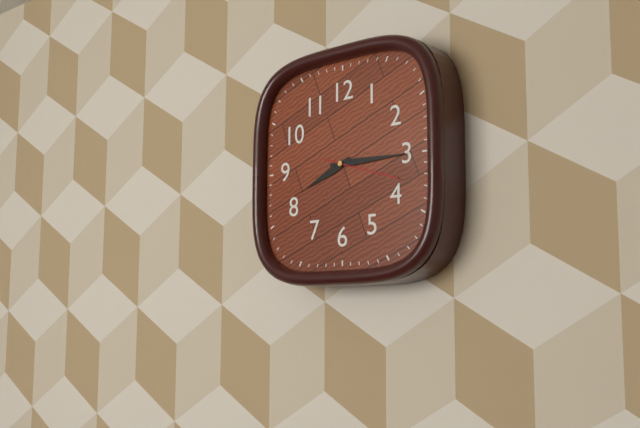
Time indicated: 8:15:18
